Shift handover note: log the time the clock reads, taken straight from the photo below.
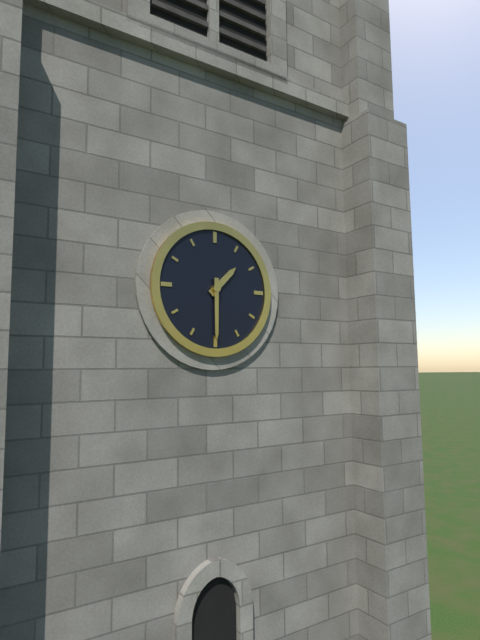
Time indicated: 1:30
